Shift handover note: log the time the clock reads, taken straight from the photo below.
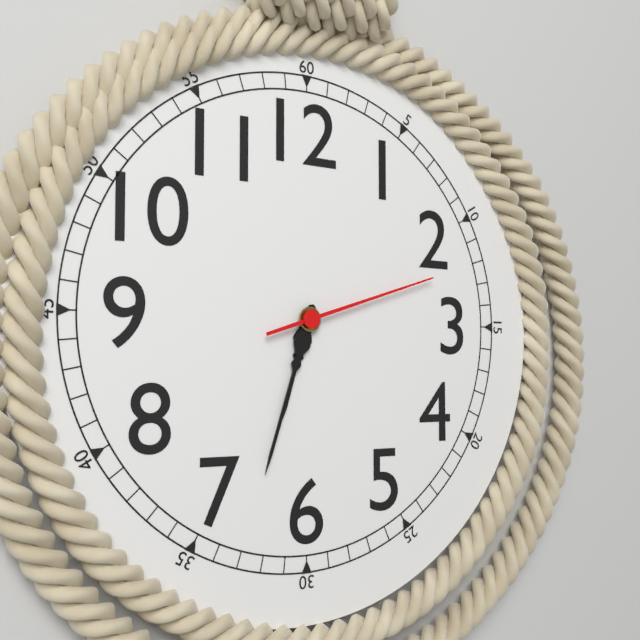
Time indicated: 6:33:12
